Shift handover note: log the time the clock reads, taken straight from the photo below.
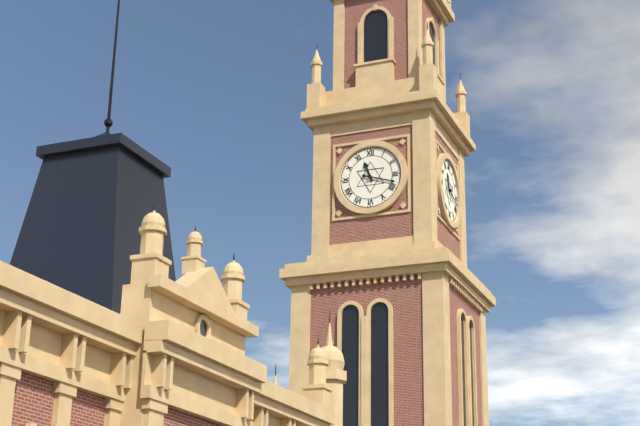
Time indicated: 11:18
